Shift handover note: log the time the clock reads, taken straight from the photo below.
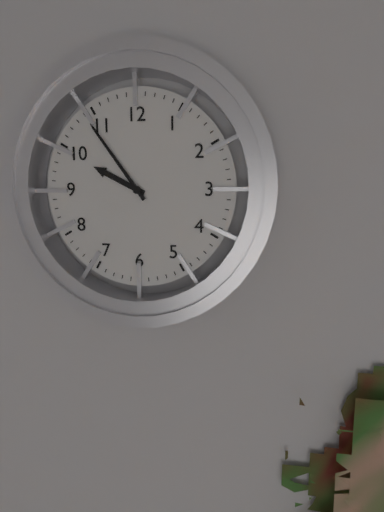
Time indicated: 9:54
